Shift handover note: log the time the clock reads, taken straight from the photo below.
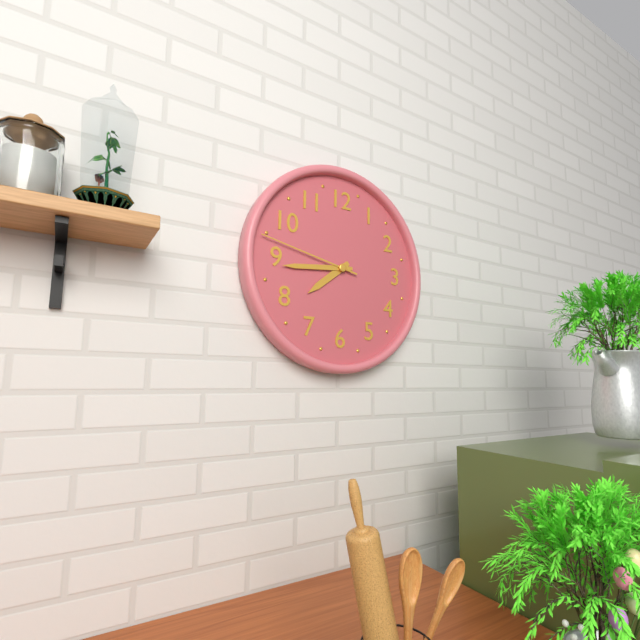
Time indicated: 7:44:47
